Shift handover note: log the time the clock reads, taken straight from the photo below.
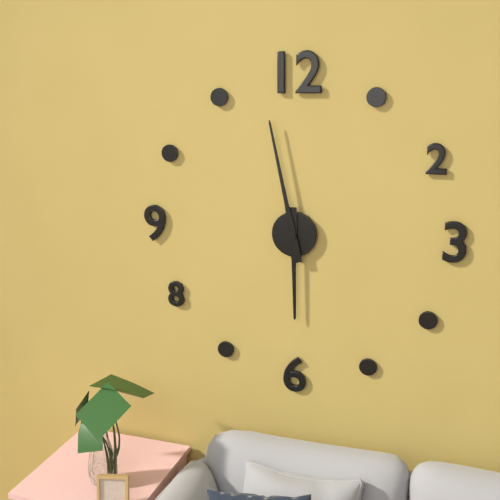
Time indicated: 5:58
